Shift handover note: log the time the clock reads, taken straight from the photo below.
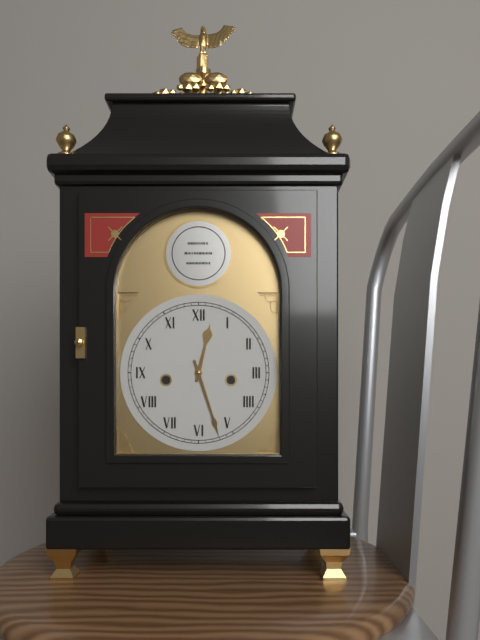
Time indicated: 12:27
